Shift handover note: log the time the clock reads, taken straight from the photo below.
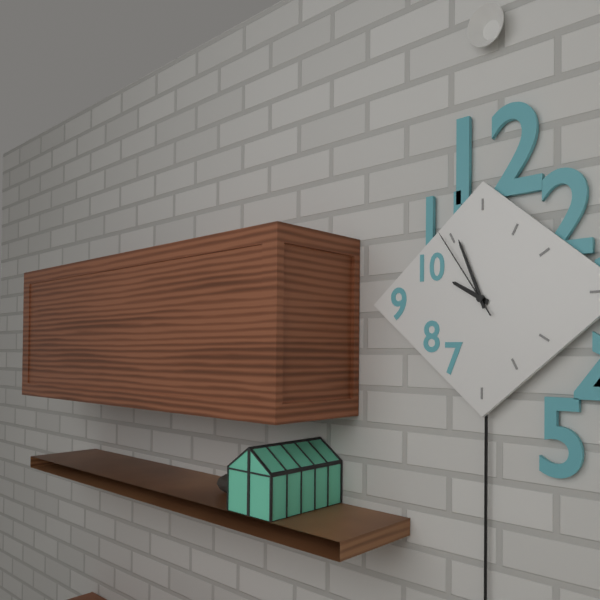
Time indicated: 9:56:54
